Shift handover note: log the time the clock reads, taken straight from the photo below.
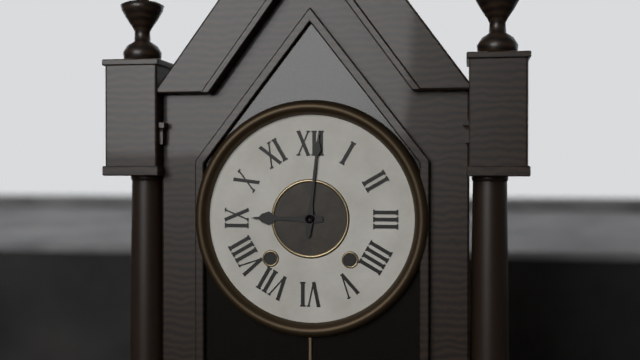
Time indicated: 9:01
